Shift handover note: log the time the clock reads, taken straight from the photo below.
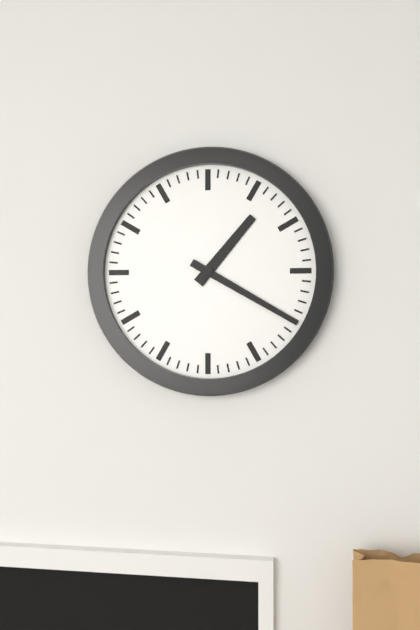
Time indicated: 1:20
